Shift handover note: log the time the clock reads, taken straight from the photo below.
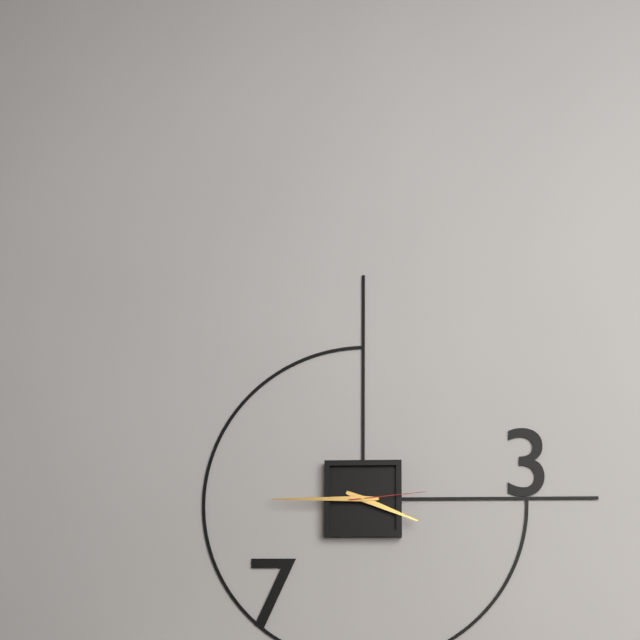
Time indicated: 3:45:14
